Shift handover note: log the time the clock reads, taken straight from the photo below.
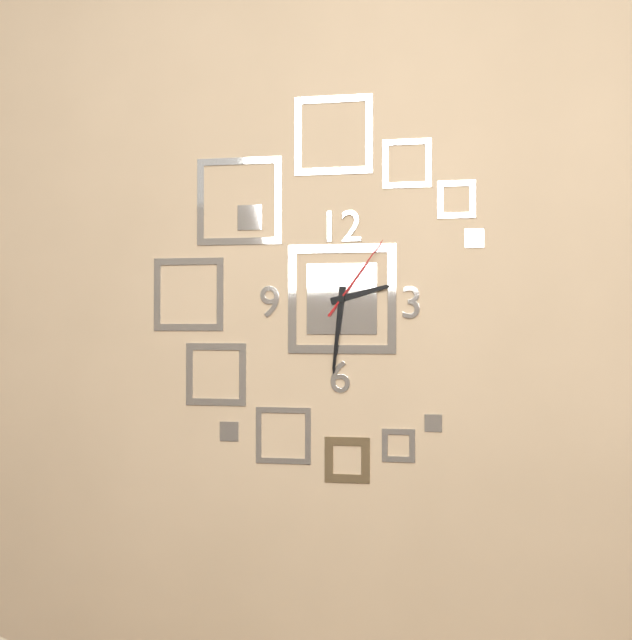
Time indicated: 2:31:06
